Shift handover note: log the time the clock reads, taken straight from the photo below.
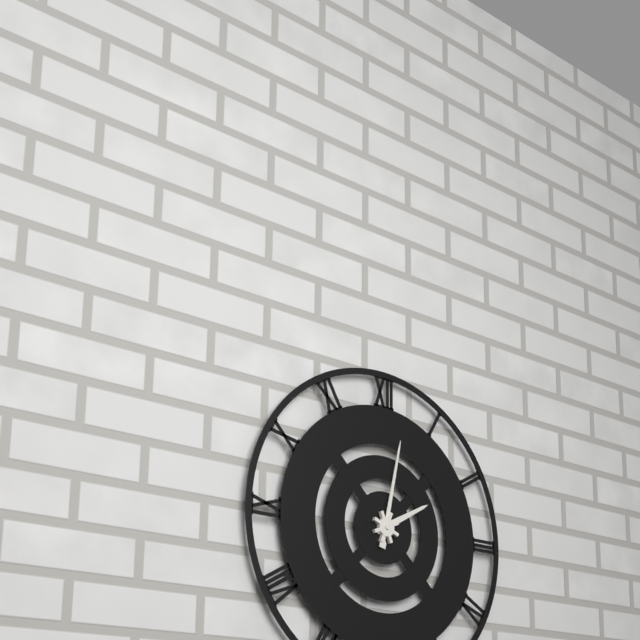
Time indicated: 2:02
